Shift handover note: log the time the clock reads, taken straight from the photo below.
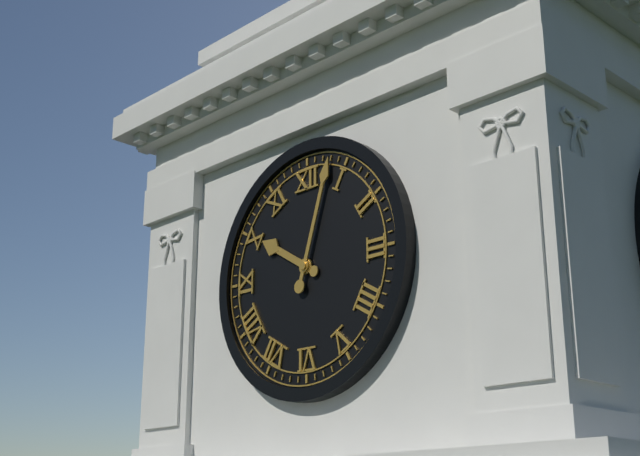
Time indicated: 10:03
